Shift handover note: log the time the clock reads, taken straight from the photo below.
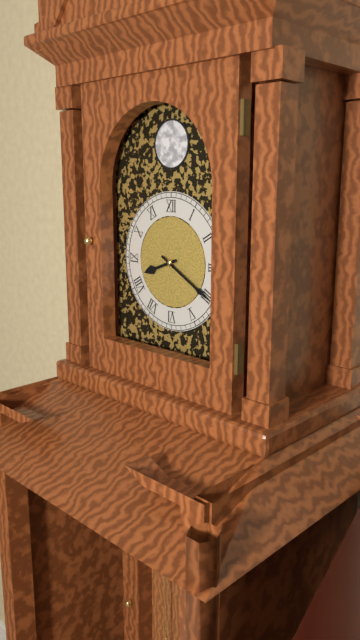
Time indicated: 8:20
